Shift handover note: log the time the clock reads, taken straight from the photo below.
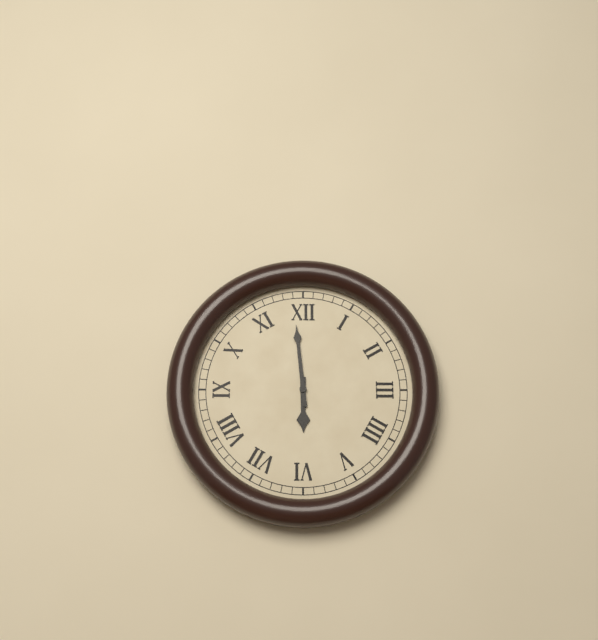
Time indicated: 5:59
